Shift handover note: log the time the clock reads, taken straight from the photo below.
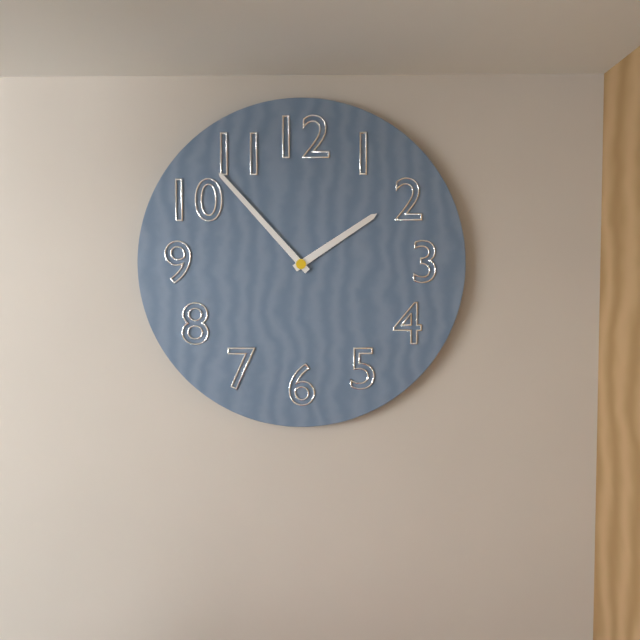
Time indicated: 1:53
